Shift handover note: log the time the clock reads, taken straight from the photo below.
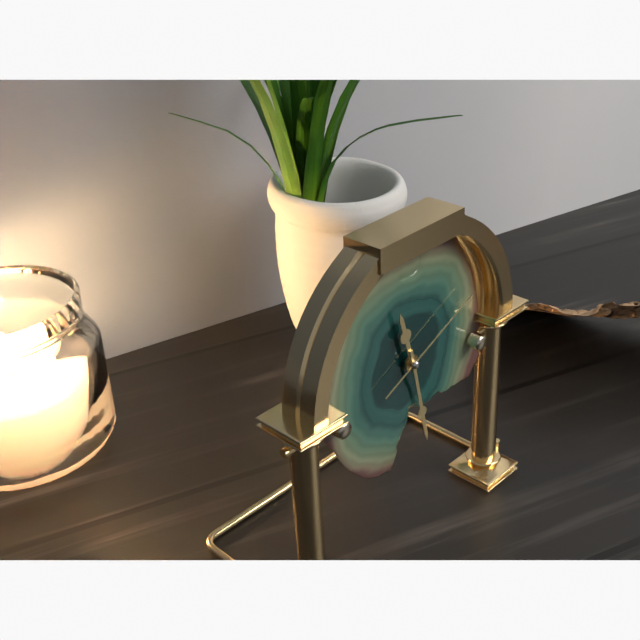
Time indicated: 11:28:11
